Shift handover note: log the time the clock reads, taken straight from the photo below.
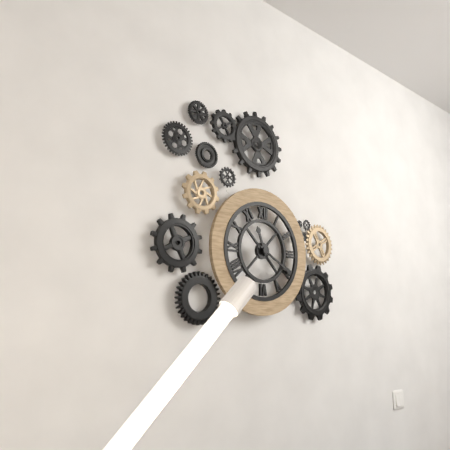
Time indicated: 11:20
